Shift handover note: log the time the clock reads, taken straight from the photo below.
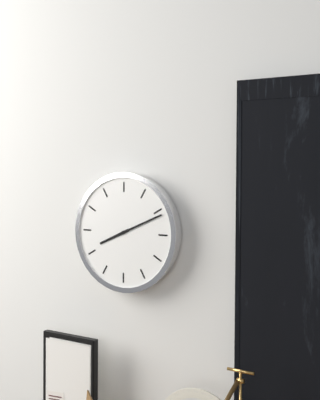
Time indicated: 8:11
